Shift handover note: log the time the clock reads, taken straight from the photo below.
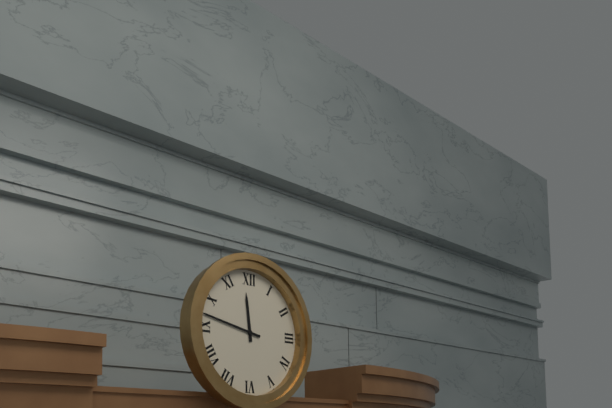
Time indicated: 11:47
